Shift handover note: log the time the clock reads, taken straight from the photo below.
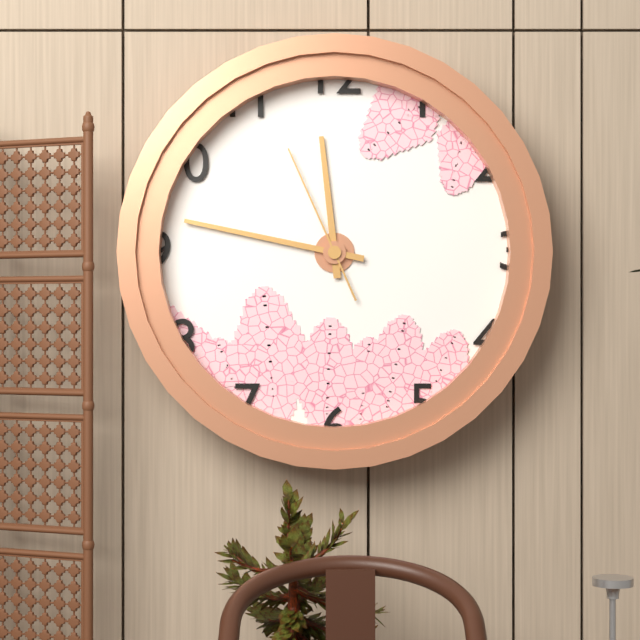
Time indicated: 11:47:56
